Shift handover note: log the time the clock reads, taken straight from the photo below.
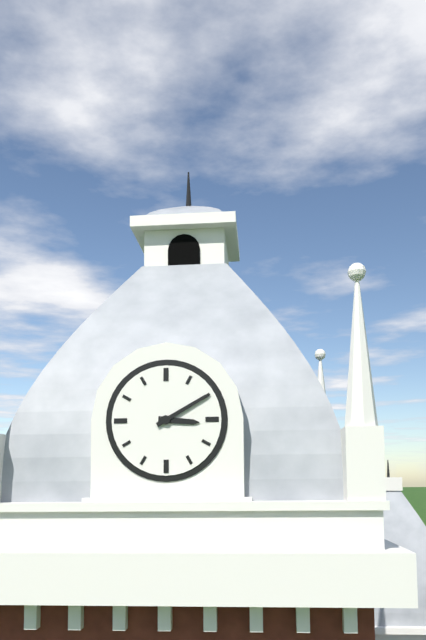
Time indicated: 3:10
